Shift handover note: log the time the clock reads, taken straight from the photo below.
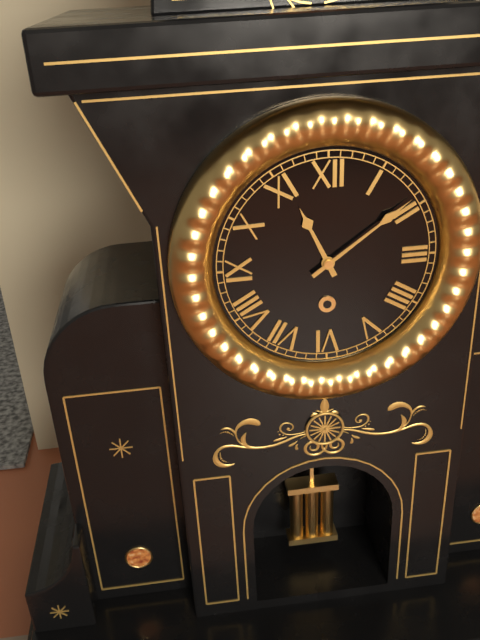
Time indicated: 11:09
